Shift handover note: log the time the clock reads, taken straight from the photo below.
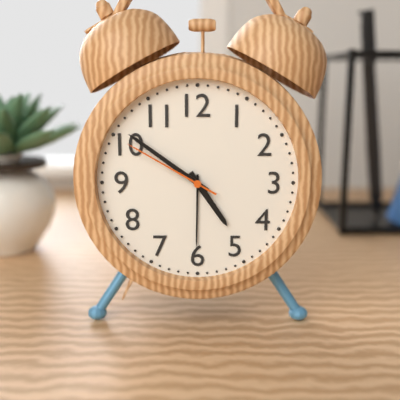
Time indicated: 4:51:50
